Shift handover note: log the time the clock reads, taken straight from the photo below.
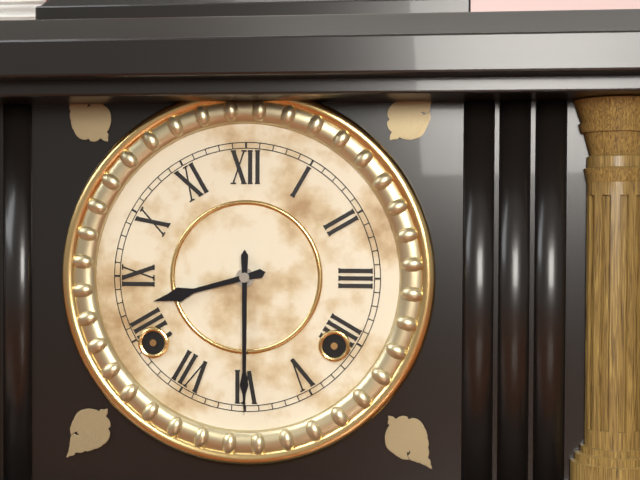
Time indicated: 8:30
